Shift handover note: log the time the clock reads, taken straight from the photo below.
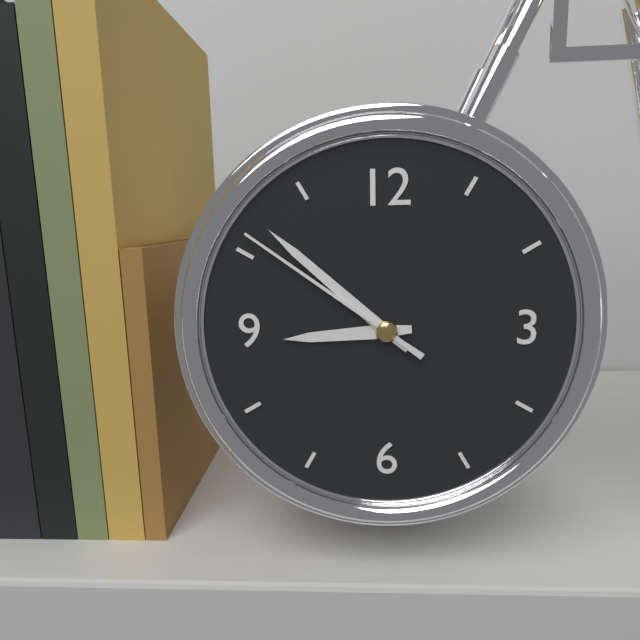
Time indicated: 8:52:51
